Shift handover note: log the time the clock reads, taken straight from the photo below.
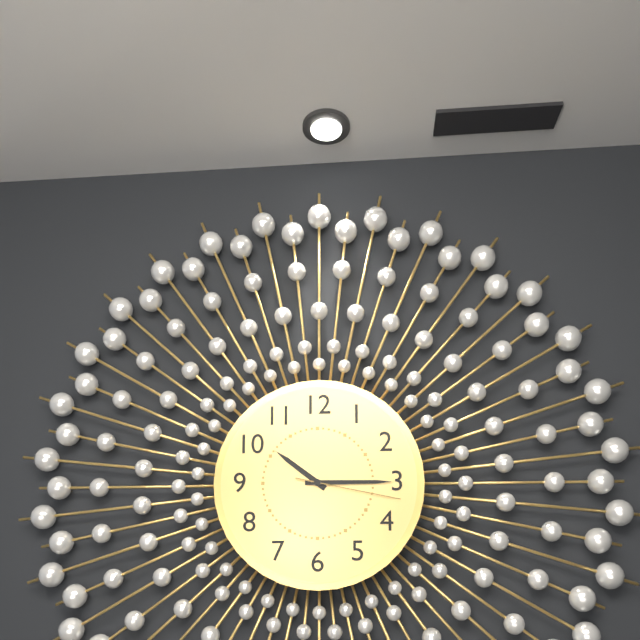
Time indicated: 10:15:17
